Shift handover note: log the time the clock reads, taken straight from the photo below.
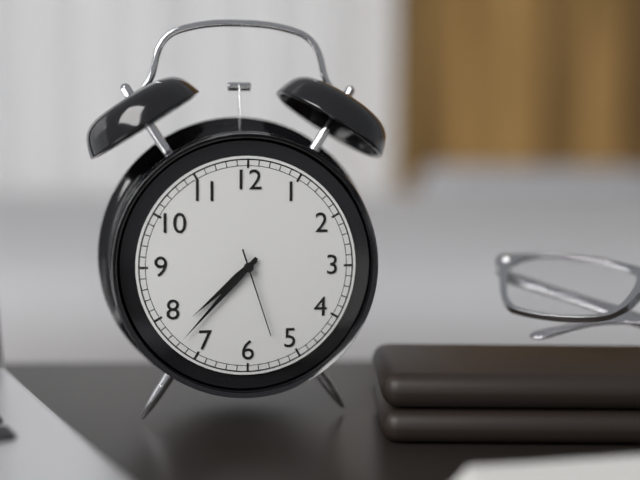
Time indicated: 7:37:27
